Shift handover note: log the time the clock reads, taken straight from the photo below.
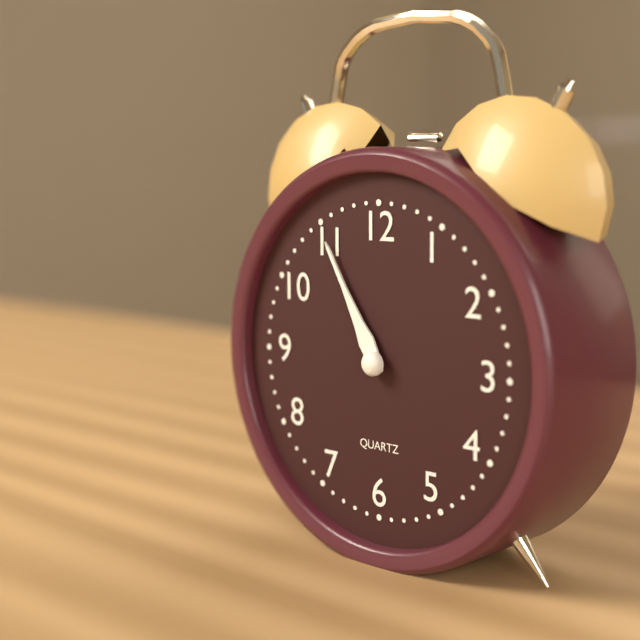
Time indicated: 10:55
